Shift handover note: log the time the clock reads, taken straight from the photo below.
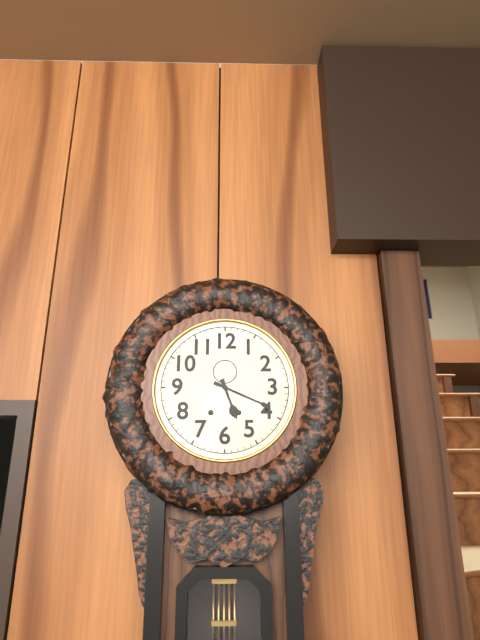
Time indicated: 5:19
